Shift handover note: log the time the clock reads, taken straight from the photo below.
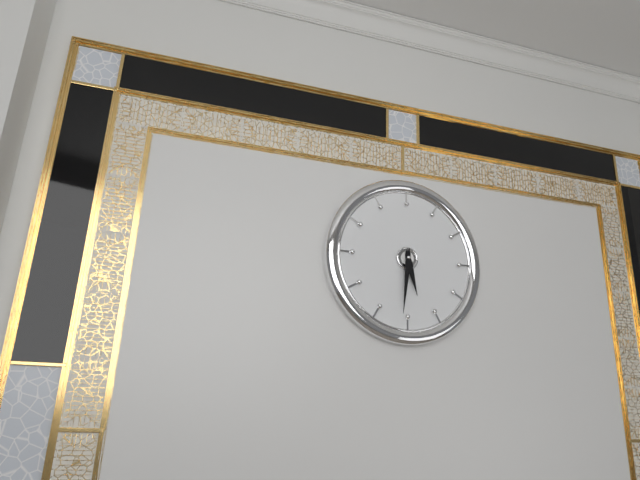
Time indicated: 5:31
